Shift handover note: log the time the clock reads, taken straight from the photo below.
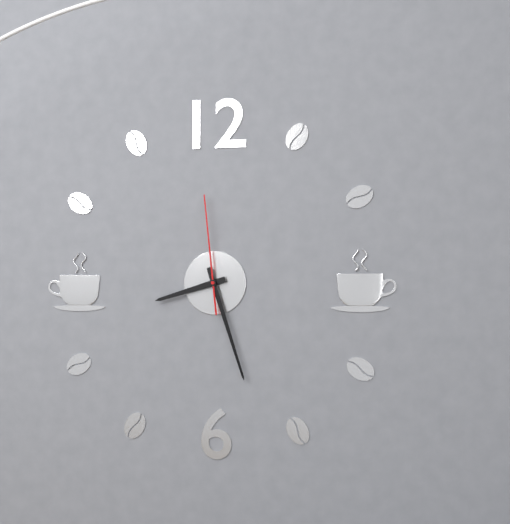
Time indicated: 8:27:59
